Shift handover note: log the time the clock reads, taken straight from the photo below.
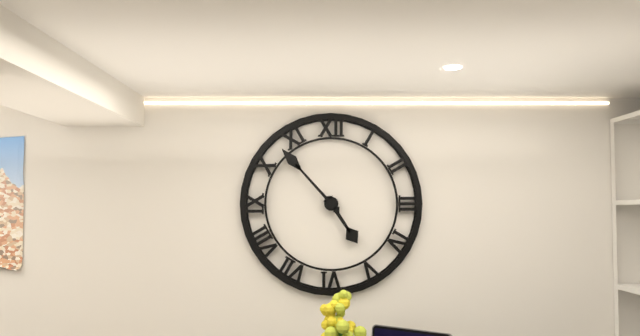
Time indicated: 4:53
